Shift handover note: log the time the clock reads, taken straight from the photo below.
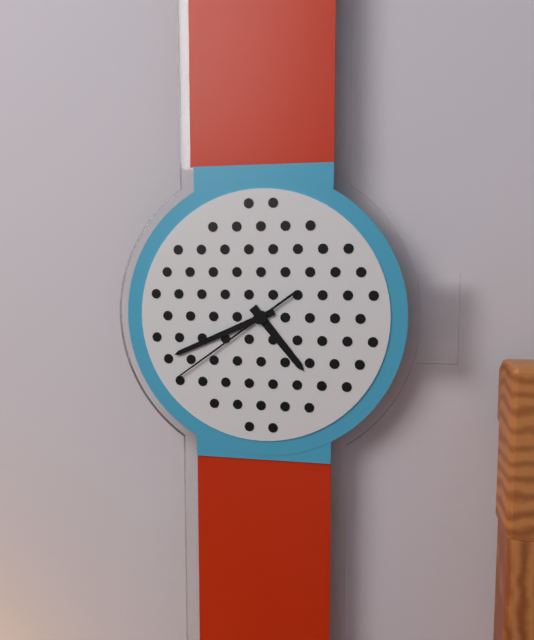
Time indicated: 4:41:39
